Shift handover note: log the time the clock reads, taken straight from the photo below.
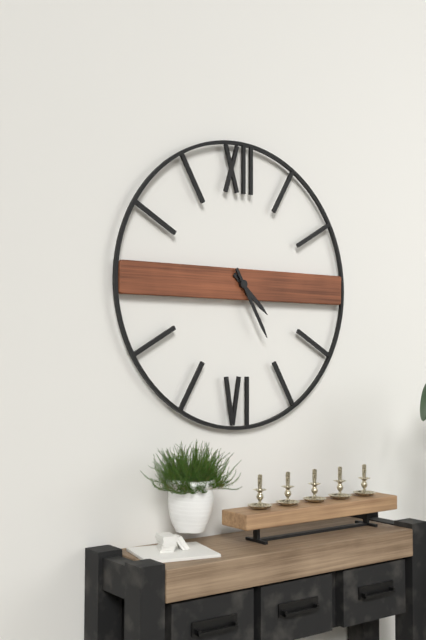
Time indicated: 4:25
